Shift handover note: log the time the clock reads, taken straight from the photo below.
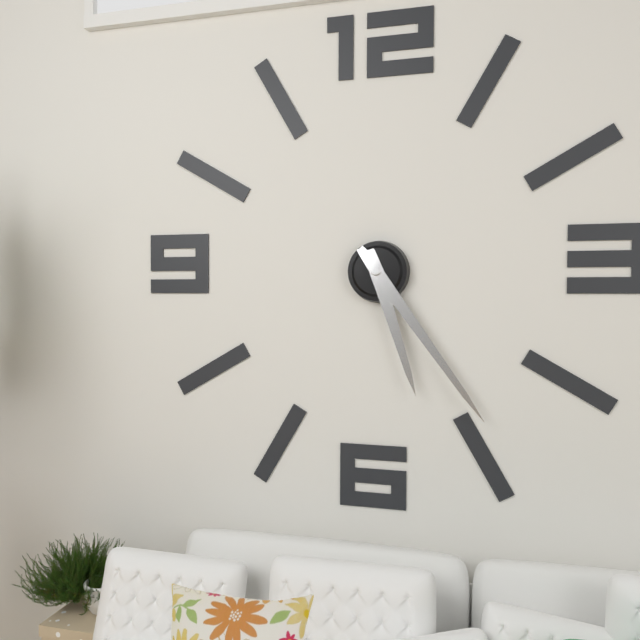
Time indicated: 5:24
